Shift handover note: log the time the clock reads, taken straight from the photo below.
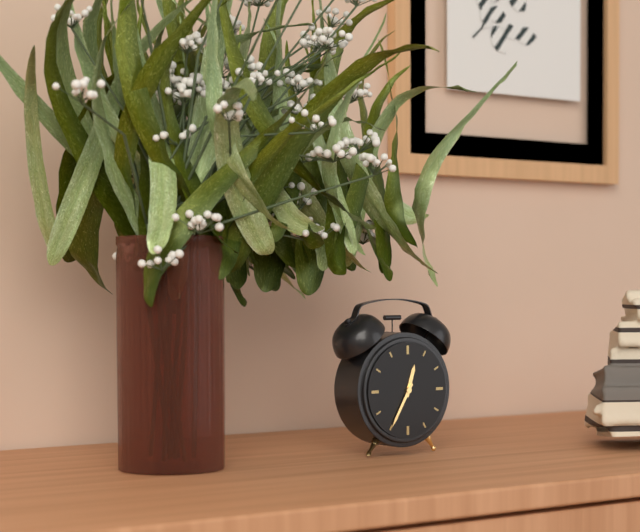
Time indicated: 12:35
